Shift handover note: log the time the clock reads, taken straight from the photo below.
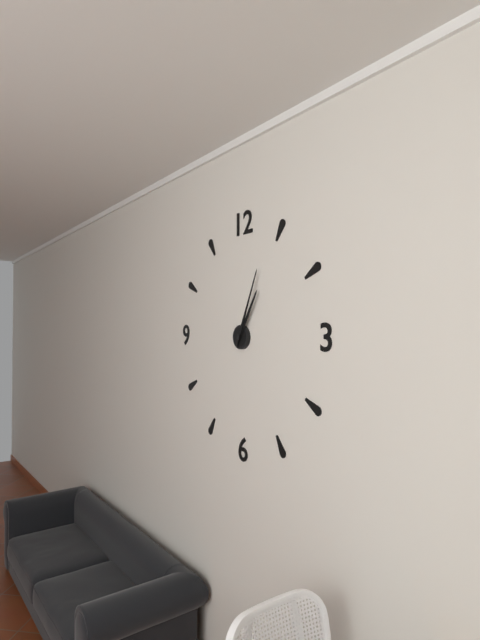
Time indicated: 1:04
